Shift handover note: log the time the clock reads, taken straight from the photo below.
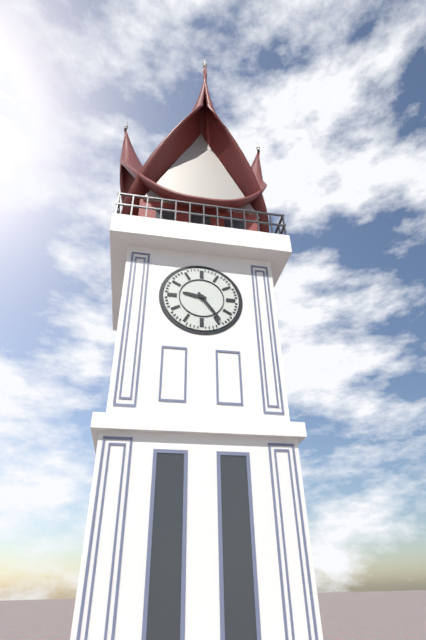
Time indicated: 9:24
